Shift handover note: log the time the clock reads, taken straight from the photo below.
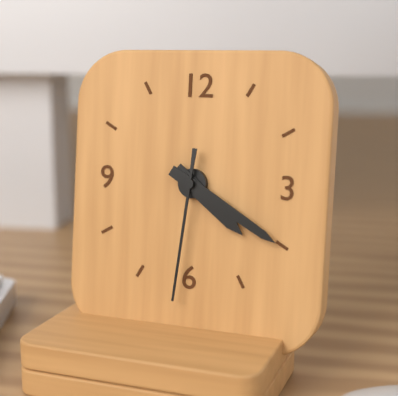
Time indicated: 4:20:31
